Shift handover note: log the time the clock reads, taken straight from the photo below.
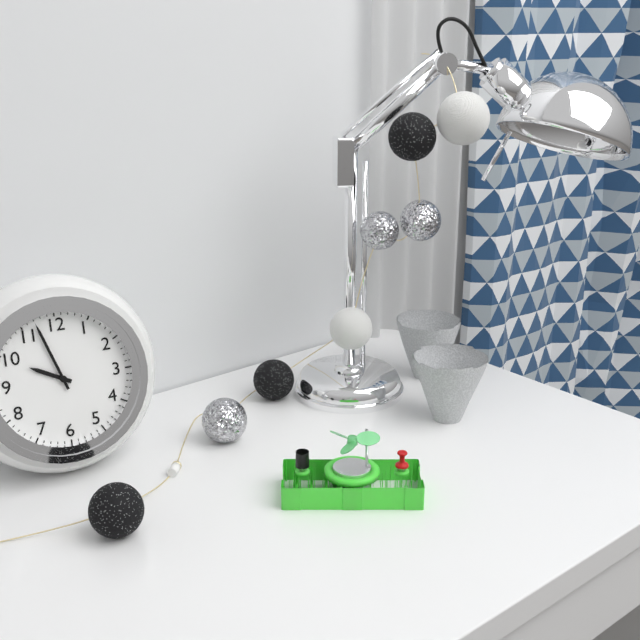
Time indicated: 9:57
